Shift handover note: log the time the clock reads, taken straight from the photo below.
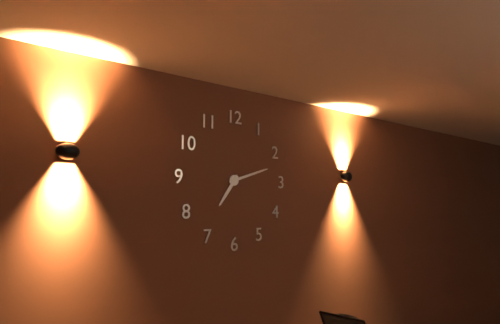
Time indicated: 7:12
